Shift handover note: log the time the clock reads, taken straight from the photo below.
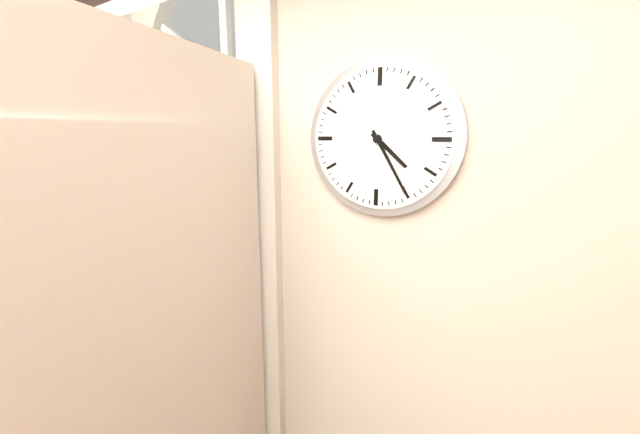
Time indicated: 4:25
